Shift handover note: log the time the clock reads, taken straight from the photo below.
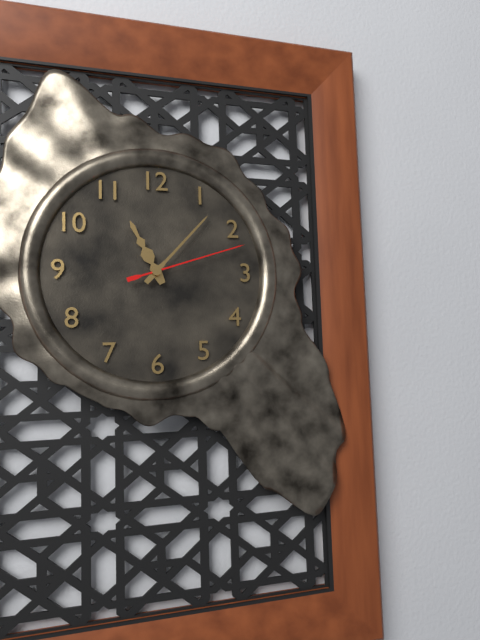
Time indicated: 11:07:12
